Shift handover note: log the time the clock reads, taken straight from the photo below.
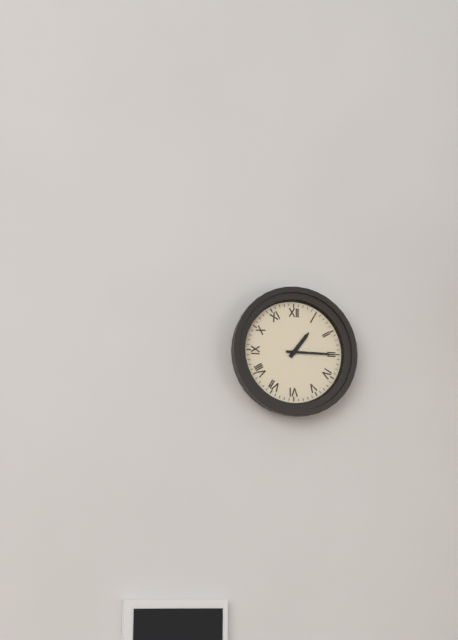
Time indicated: 1:15
